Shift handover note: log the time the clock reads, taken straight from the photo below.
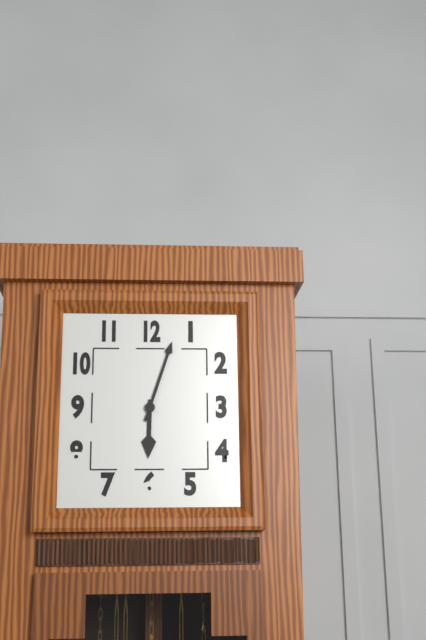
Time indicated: 6:03
